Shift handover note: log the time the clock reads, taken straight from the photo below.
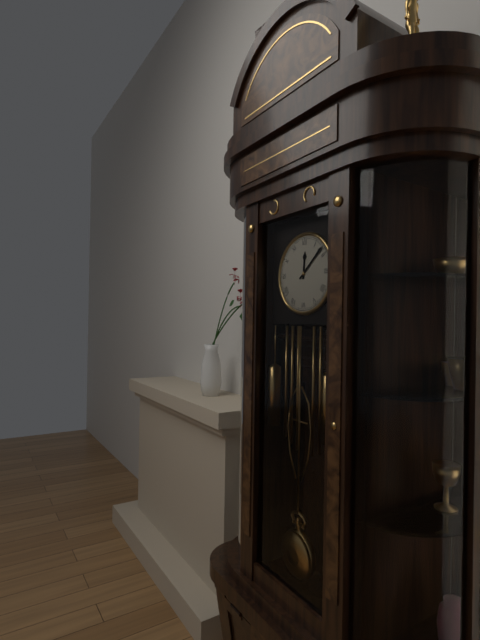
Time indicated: 12:08
